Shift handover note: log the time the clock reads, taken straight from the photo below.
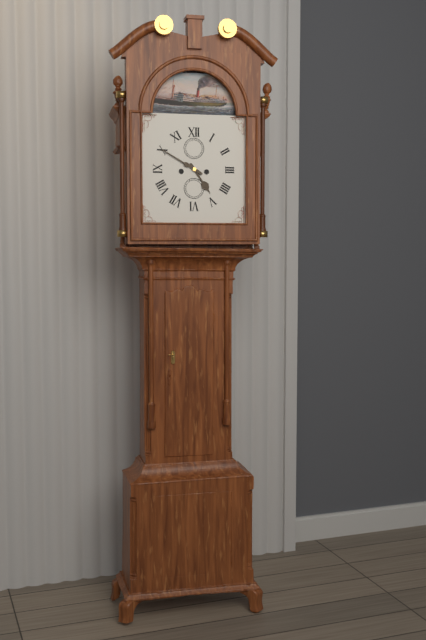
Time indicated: 4:50
